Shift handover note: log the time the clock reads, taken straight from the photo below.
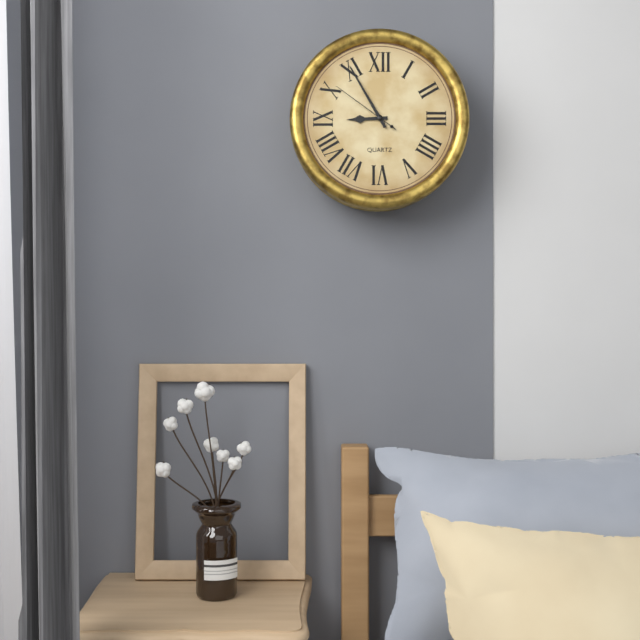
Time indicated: 8:55:51
